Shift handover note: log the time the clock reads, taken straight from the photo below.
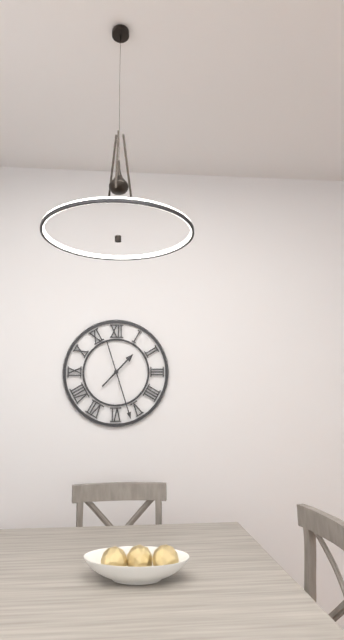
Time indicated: 1:27
